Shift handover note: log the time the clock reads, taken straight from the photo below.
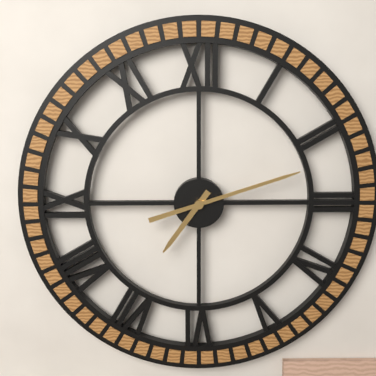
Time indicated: 7:12
